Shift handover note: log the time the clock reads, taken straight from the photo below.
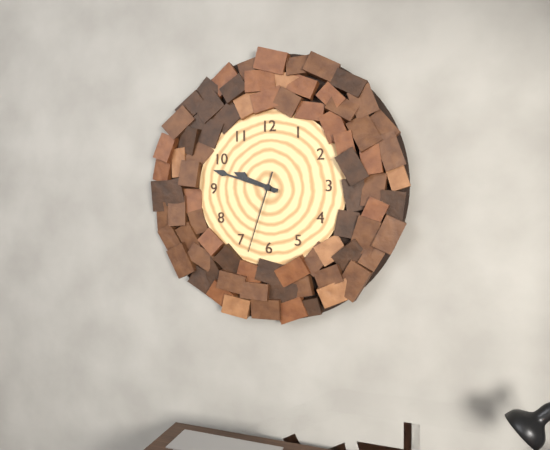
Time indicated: 9:48:33
